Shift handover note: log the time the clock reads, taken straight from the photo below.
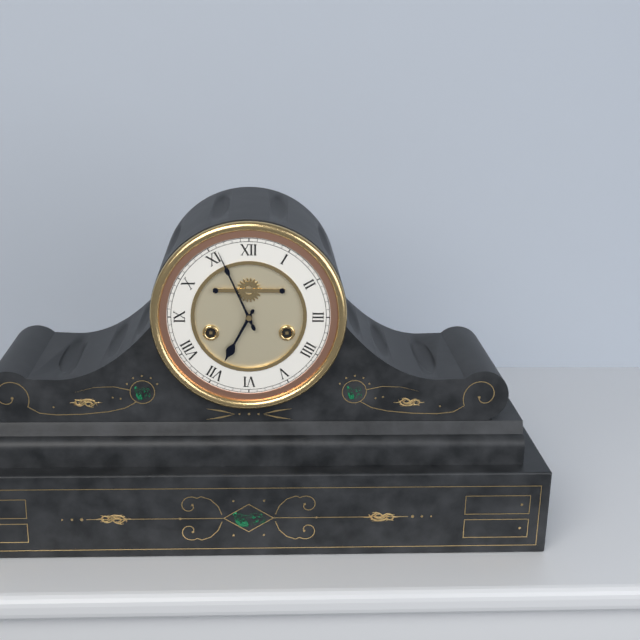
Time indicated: 6:56
